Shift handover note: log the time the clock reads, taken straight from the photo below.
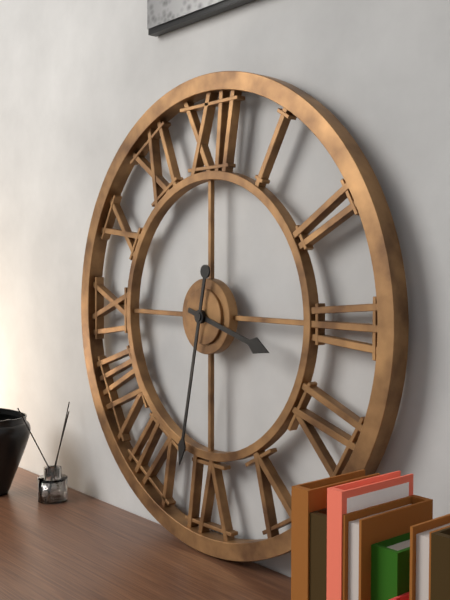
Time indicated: 3:32
